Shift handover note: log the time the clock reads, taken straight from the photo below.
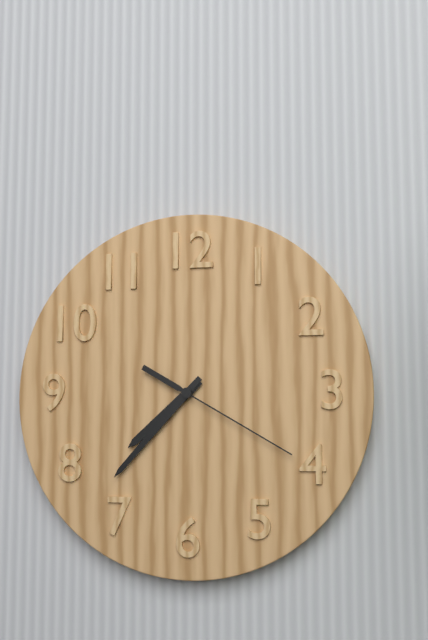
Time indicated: 7:37:20
